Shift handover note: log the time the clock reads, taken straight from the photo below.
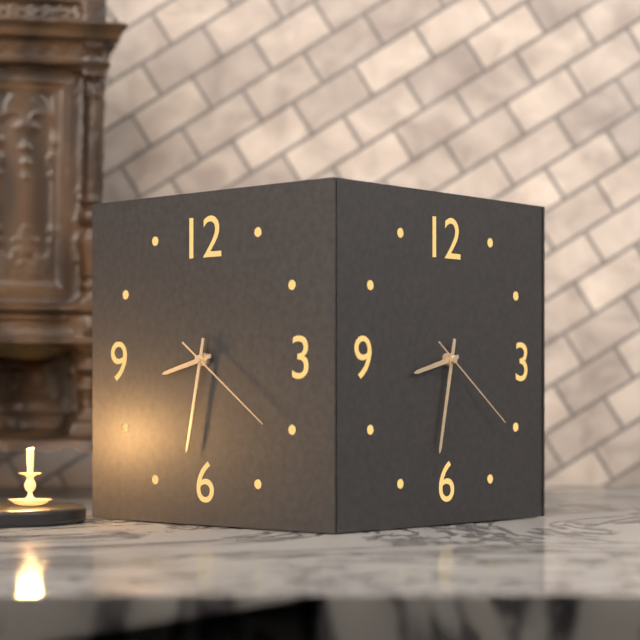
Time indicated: 8:32:21
